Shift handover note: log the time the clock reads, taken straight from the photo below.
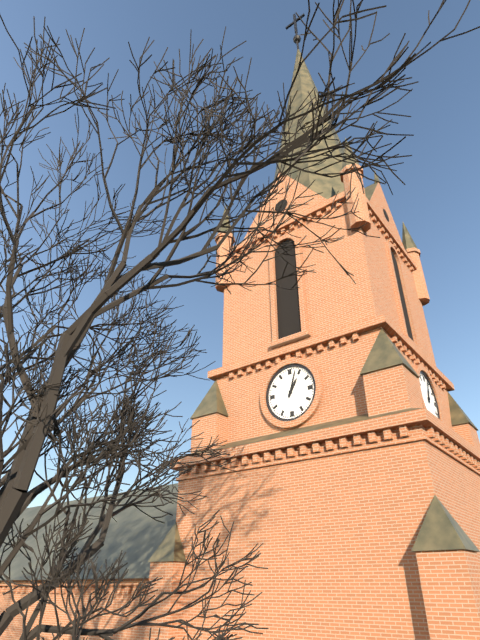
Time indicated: 1:03
